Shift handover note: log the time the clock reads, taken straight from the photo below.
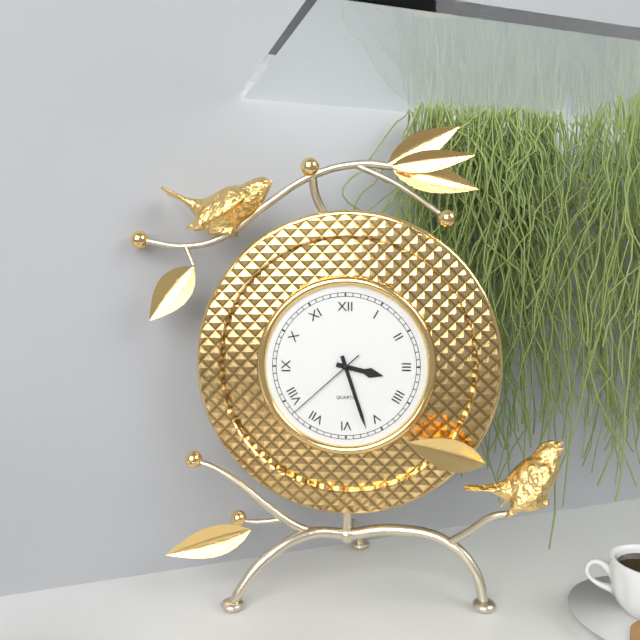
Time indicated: 3:27:38
